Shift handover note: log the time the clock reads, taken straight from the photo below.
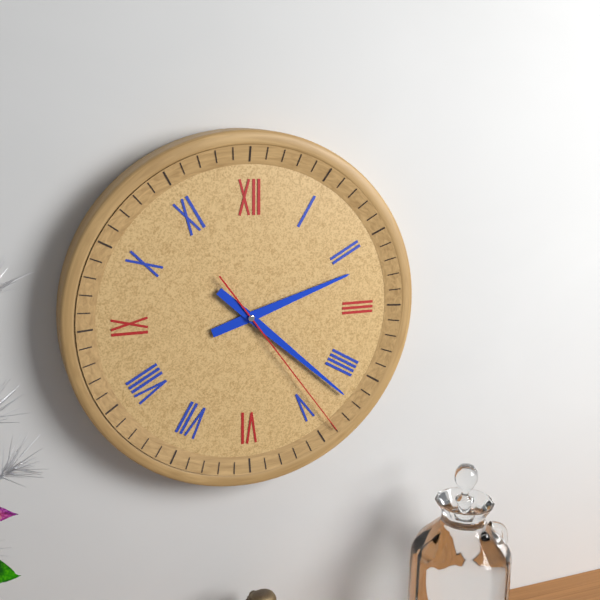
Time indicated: 2:22:24
